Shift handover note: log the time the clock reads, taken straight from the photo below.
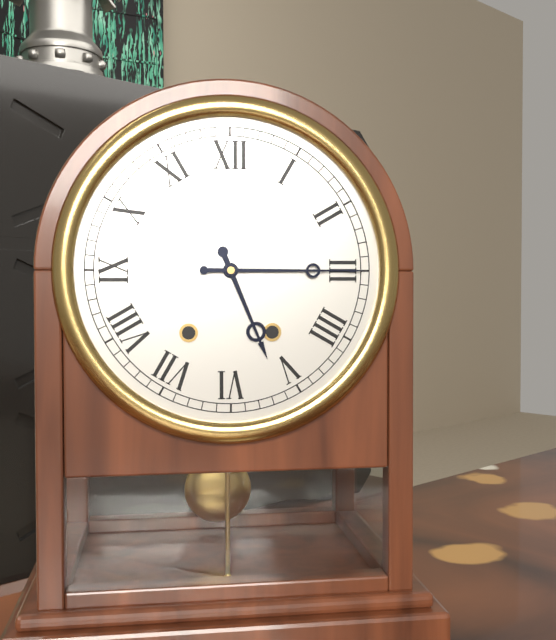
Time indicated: 5:15
